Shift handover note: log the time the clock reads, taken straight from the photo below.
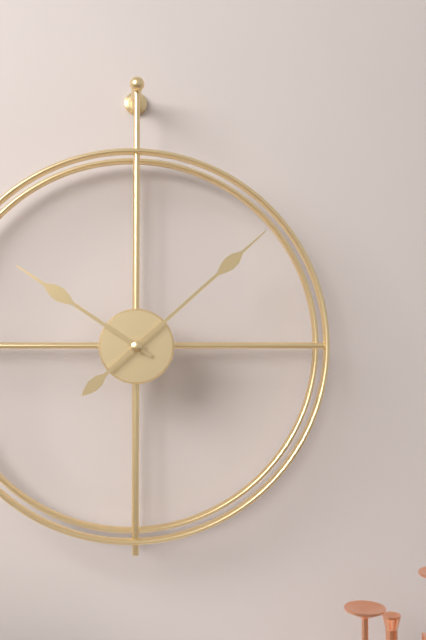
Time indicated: 10:08
